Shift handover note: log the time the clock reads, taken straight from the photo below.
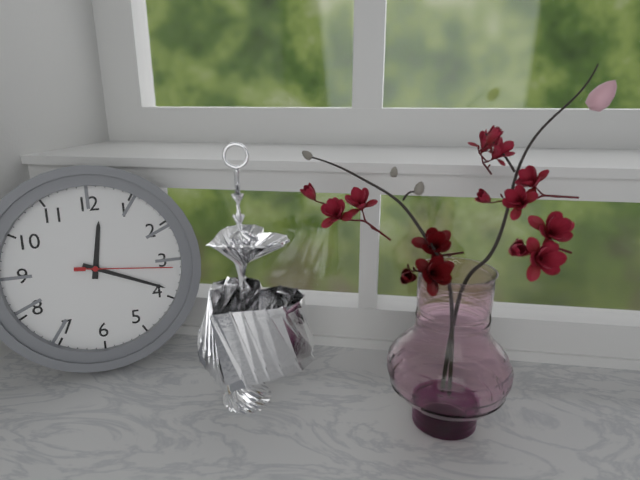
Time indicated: 12:19:16
